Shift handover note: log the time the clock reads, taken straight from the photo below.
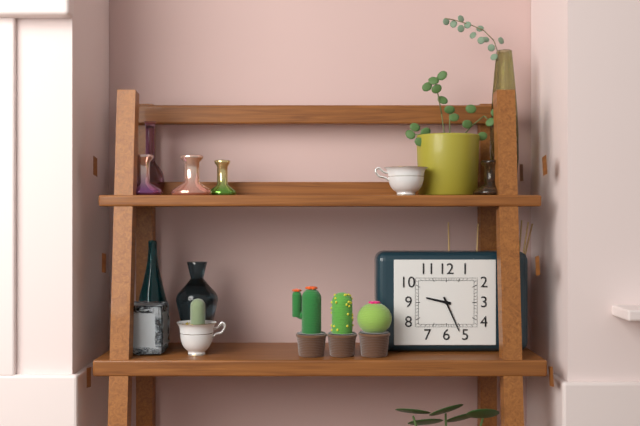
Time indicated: 9:26
